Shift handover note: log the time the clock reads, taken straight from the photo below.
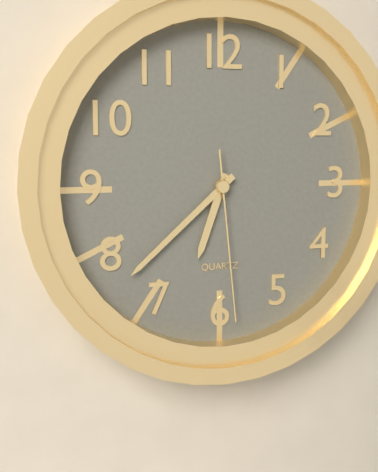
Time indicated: 6:38:29
